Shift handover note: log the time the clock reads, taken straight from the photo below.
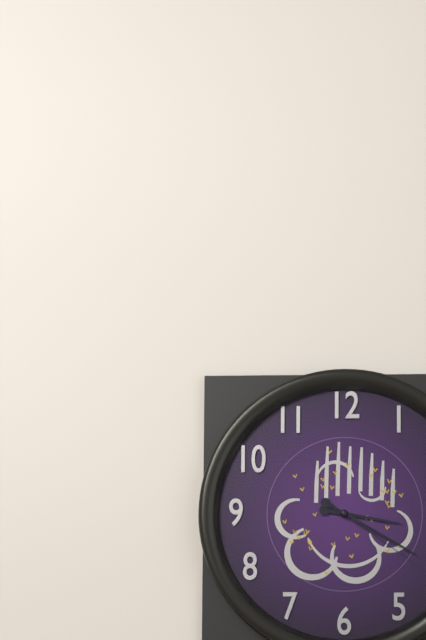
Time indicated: 3:20:21
